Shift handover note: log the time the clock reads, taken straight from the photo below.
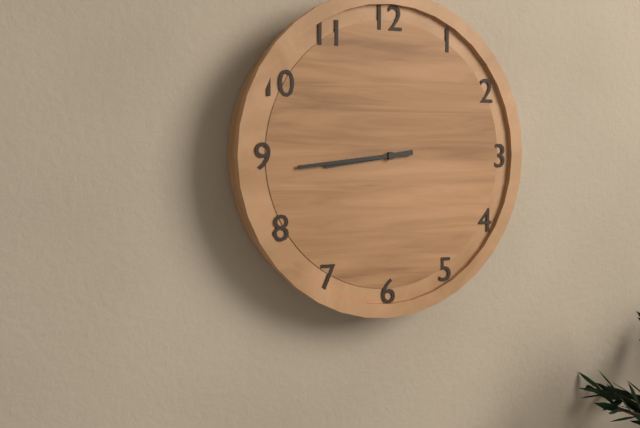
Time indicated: 8:44
